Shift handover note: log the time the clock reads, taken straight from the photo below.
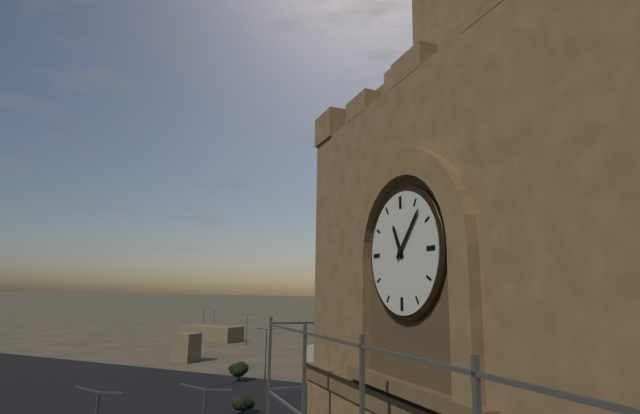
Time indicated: 11:07
